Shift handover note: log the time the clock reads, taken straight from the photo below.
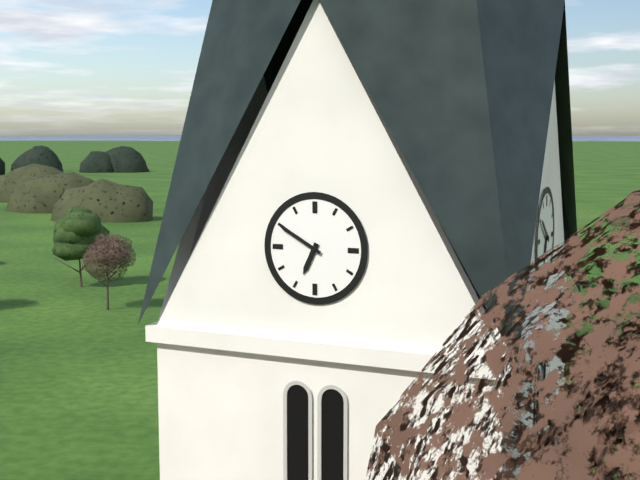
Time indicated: 6:50
